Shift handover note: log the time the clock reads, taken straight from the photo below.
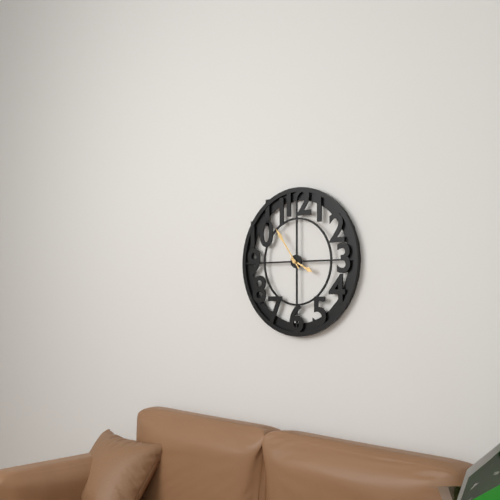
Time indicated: 3:54
